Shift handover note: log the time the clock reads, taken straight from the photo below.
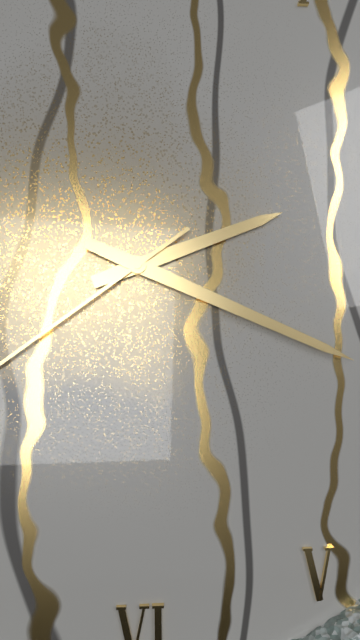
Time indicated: 2:19
